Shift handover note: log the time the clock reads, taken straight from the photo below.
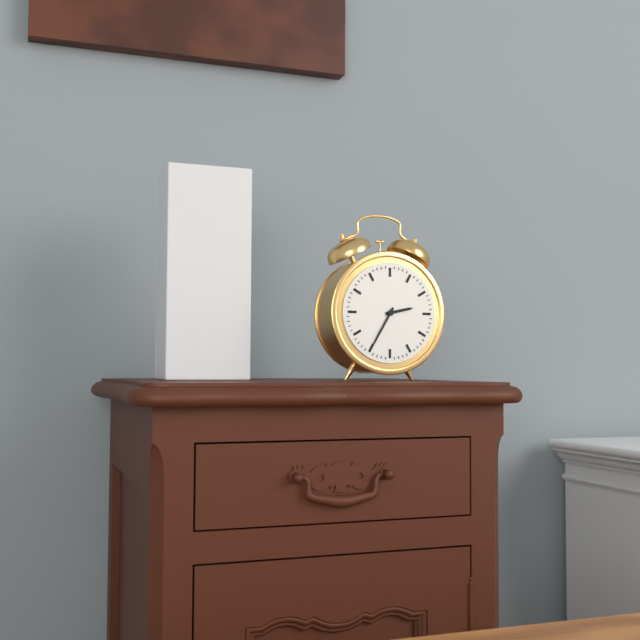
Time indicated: 2:35
